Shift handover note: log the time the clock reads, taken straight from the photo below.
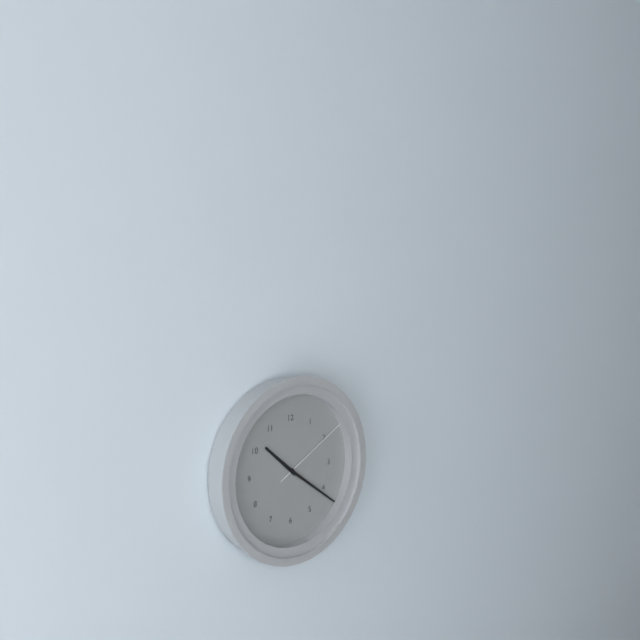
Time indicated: 10:21:10
